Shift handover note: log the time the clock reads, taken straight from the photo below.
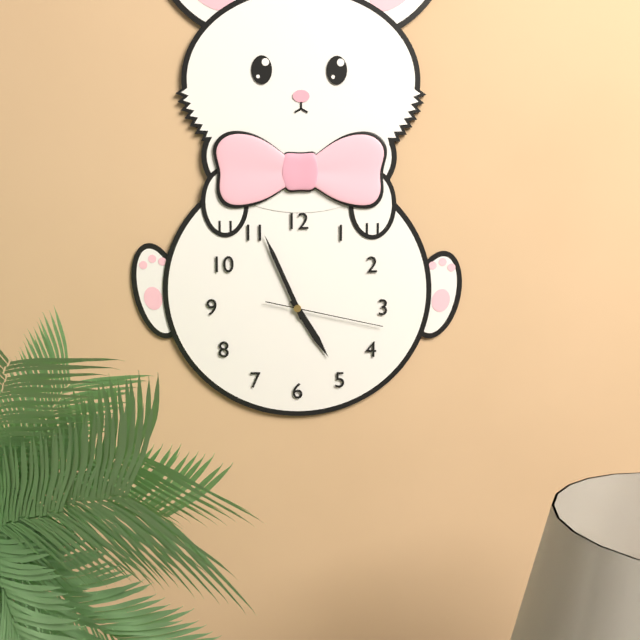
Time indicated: 4:56:17
